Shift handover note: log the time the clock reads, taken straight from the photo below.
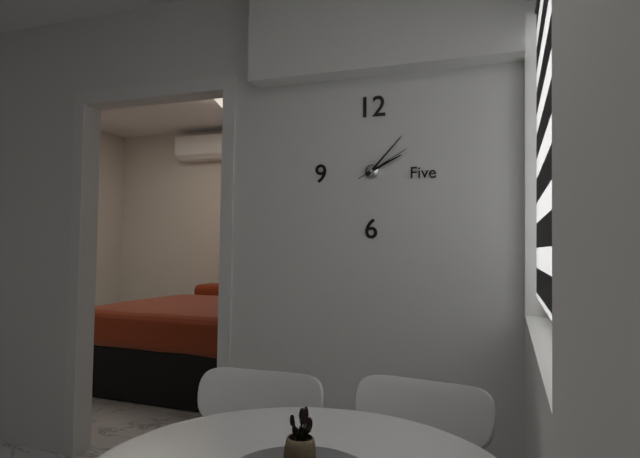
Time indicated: 2:07:10
